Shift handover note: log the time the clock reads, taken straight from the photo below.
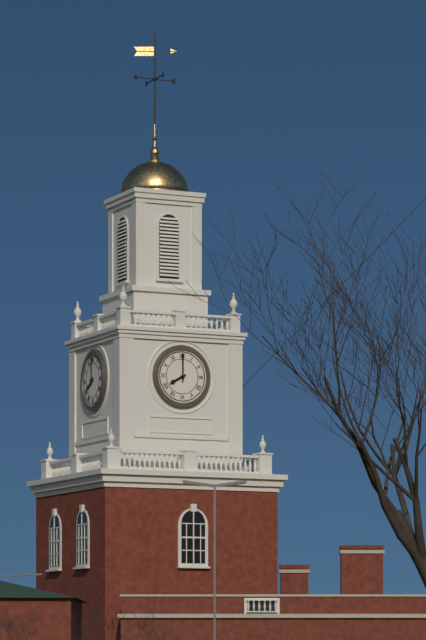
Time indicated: 8:00
